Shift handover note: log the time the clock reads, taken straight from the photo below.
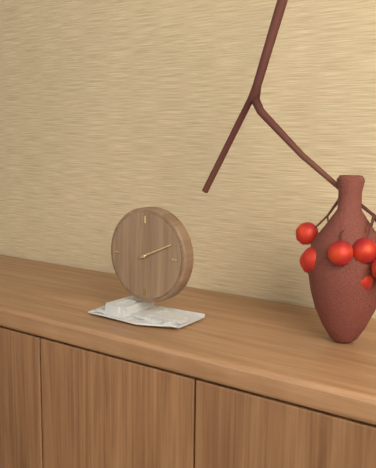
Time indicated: 2:11
